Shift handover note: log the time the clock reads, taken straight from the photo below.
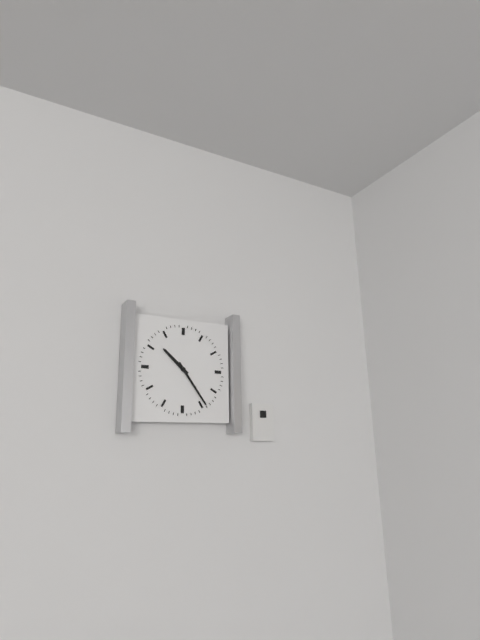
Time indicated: 10:24
